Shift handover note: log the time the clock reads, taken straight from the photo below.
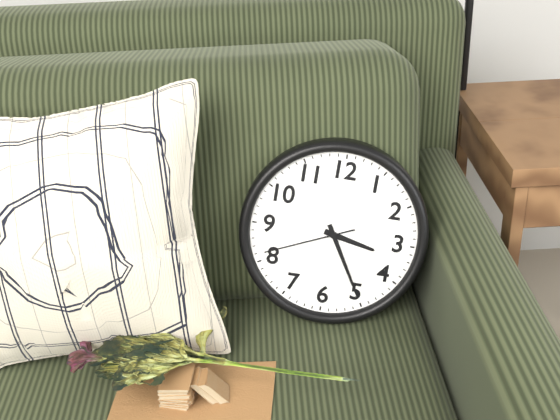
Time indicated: 3:25:41
